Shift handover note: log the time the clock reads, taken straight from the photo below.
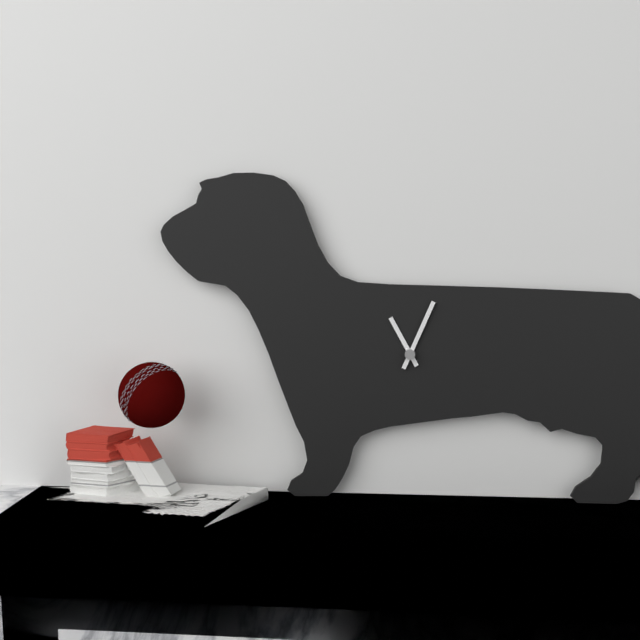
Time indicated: 11:04
